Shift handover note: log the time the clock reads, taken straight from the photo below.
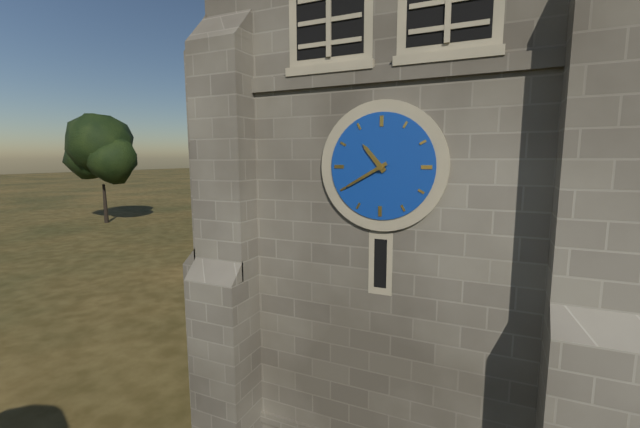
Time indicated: 10:40
